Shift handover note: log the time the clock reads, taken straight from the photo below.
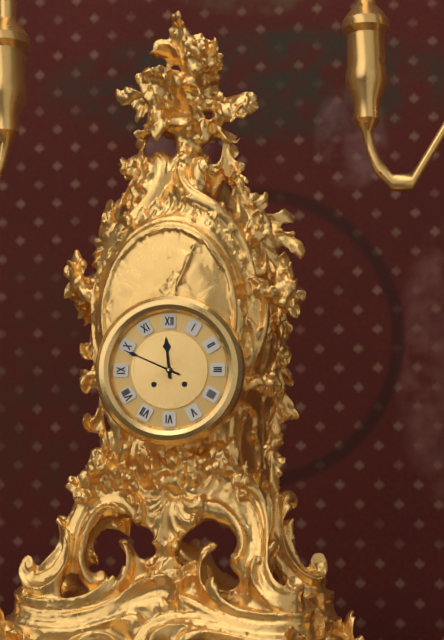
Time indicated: 11:49
